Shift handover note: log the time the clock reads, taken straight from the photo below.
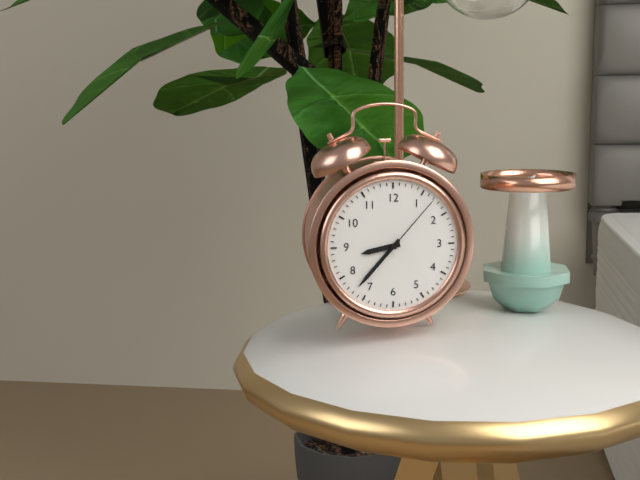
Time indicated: 8:37:07
